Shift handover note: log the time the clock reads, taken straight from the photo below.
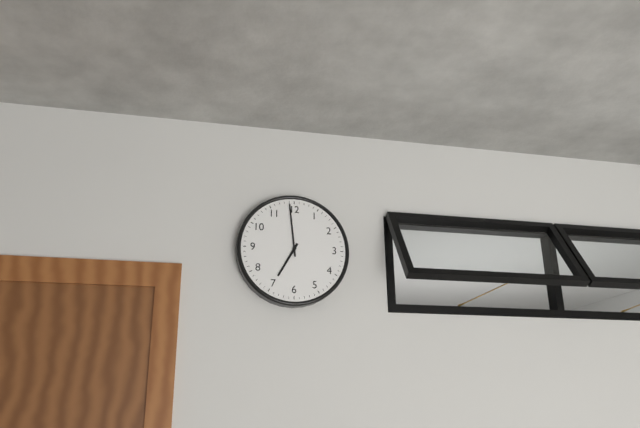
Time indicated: 6:59
